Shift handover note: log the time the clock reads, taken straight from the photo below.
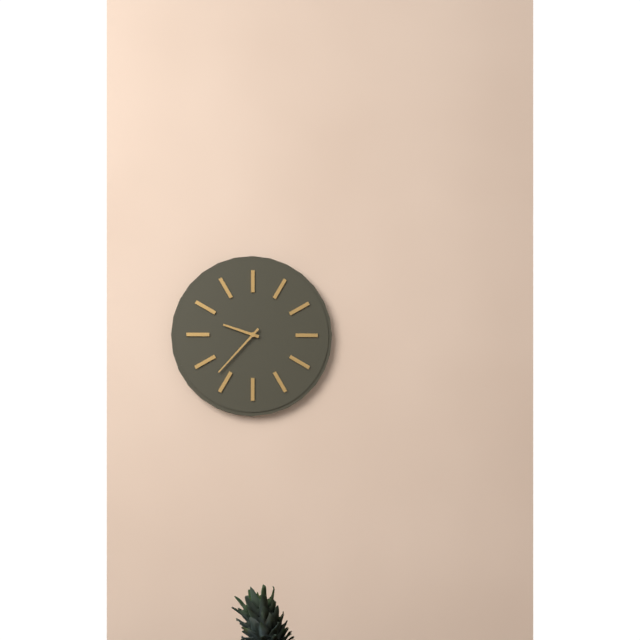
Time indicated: 9:37
